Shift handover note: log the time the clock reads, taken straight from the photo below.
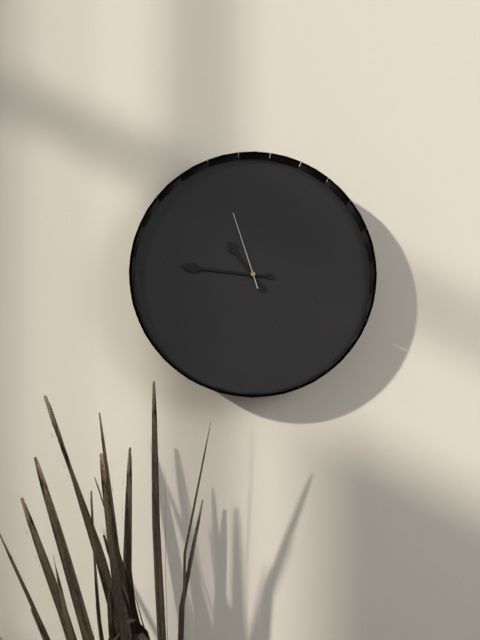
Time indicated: 10:46:57
